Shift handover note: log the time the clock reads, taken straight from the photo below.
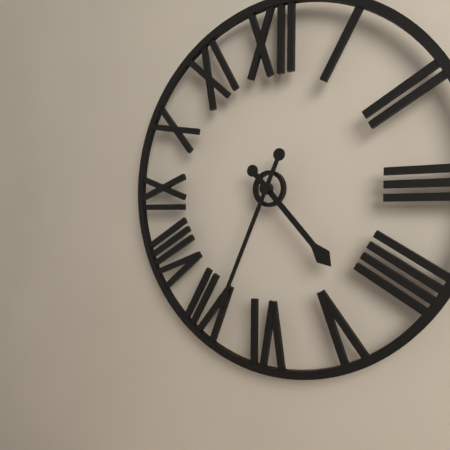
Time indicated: 4:34
